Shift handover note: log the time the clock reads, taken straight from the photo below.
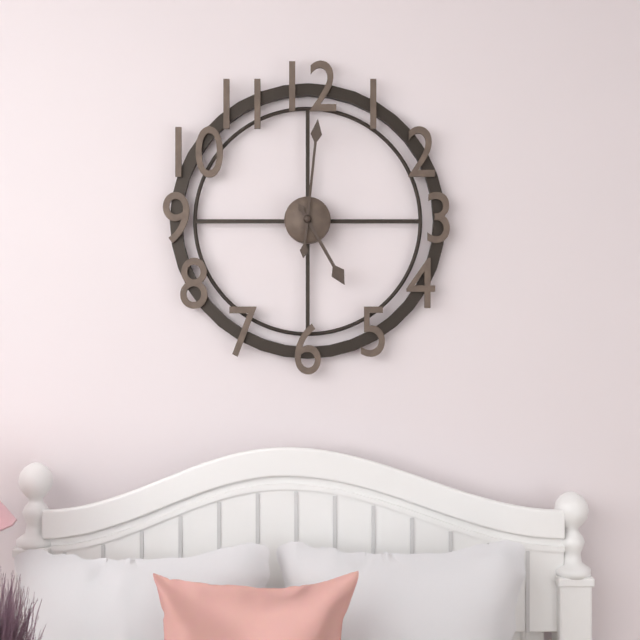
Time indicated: 5:01
